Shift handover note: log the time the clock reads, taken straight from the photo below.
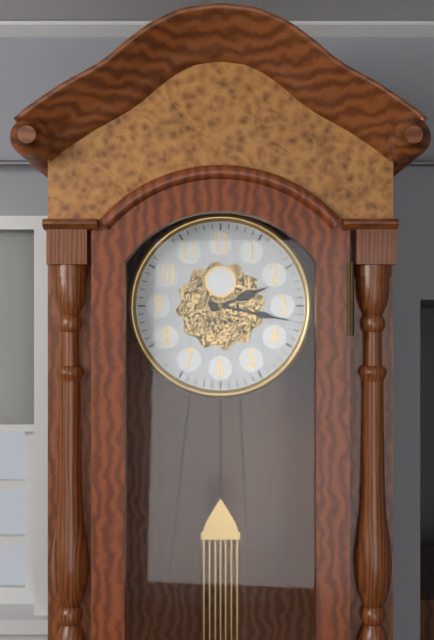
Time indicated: 2:17
